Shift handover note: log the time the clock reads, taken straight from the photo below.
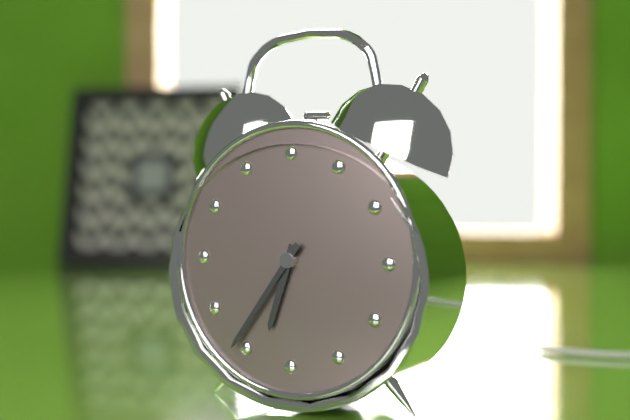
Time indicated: 6:36
